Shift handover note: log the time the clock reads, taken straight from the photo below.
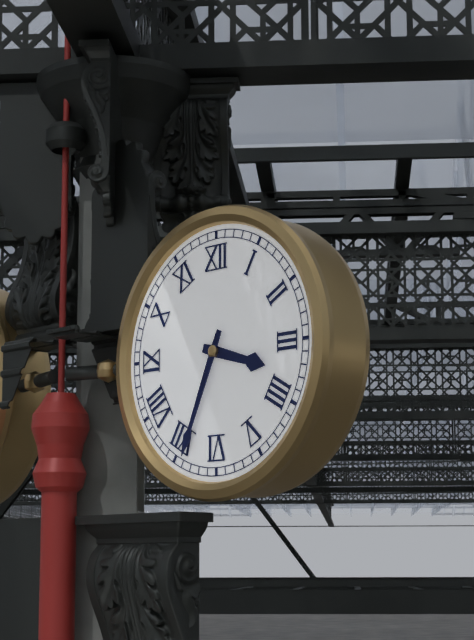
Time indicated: 3:34
